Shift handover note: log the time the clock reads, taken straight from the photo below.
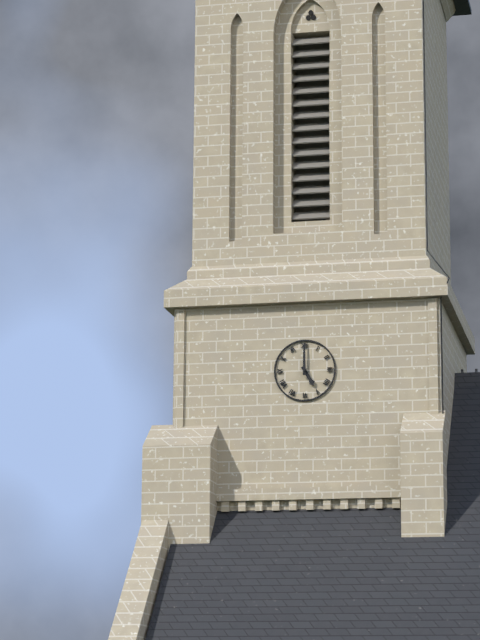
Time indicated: 5:00
